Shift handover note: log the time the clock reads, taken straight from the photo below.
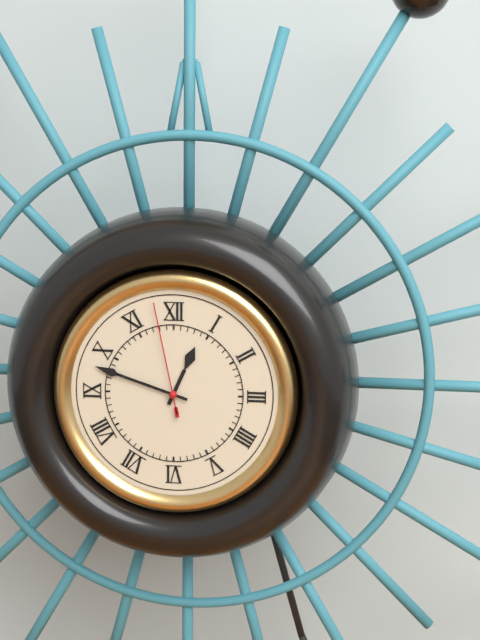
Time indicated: 12:48:58
